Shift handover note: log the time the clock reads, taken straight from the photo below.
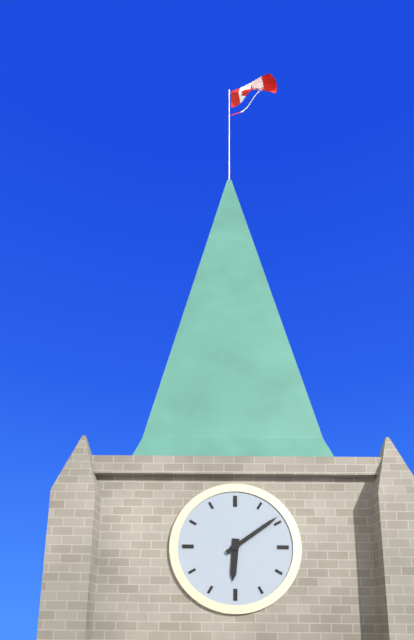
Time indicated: 6:09
